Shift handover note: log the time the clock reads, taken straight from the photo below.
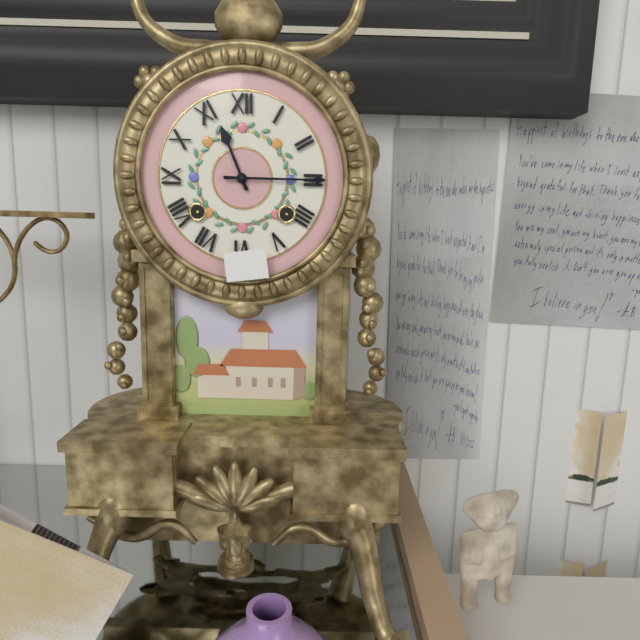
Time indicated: 11:15
